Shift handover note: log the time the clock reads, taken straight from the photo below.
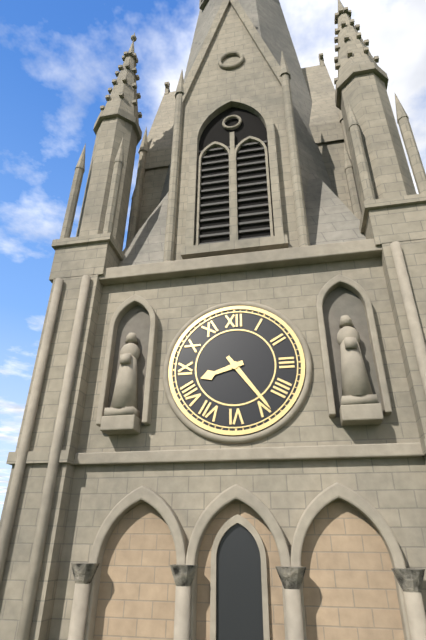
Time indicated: 8:24
